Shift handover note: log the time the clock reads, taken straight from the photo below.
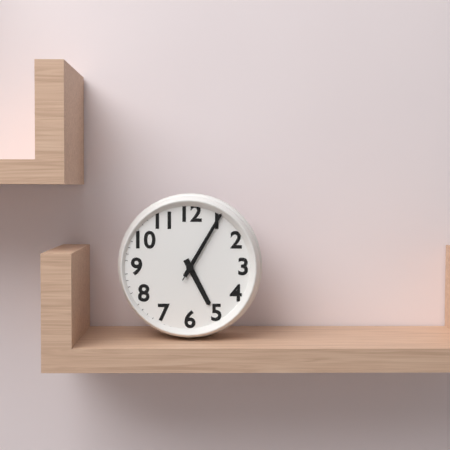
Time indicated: 5:05:05
